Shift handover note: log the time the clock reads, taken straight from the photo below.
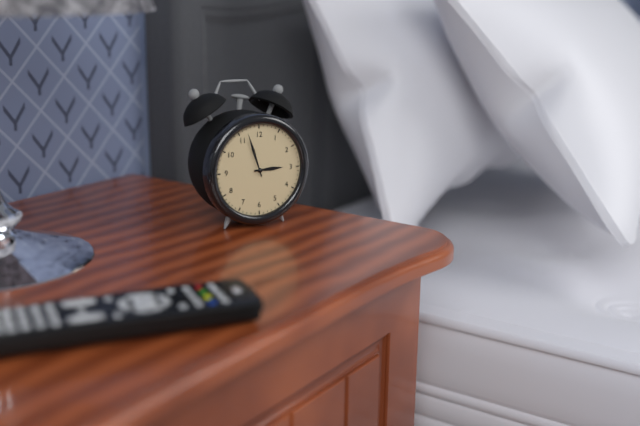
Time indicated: 2:57
